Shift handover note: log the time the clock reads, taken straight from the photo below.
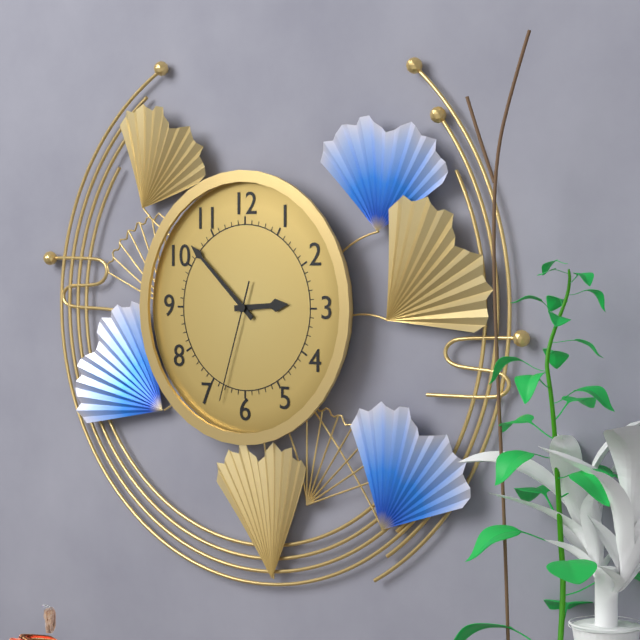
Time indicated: 2:52:33
